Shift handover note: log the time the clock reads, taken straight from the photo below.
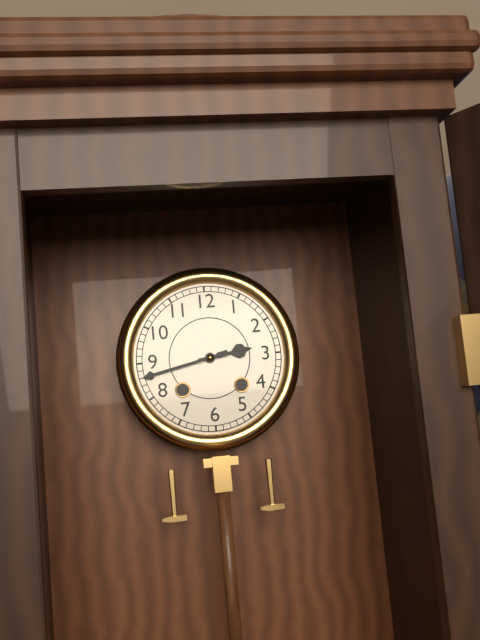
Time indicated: 2:43
